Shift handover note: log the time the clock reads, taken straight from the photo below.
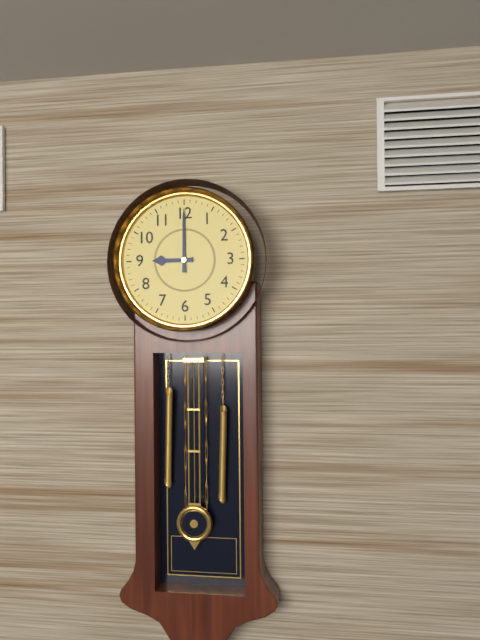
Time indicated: 9:00
